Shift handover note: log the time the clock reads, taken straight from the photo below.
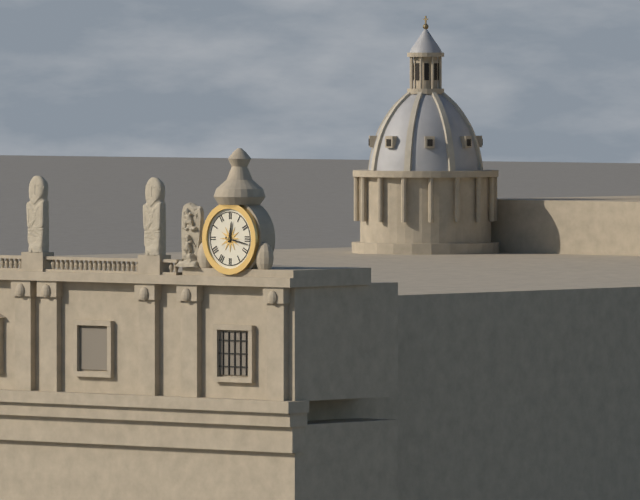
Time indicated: 12:17
